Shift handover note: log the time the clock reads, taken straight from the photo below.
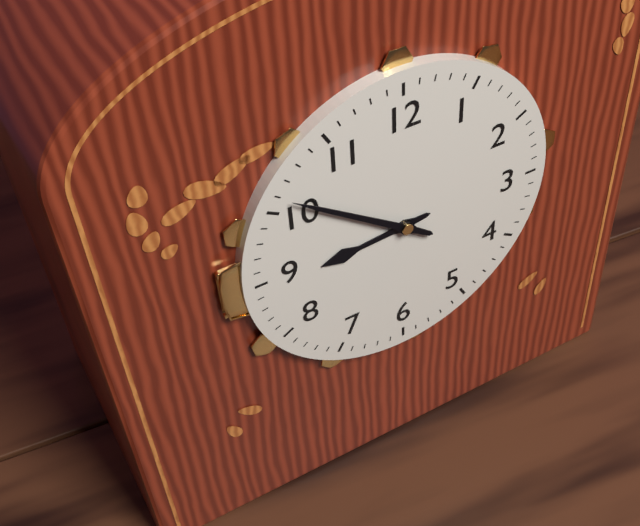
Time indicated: 8:51
